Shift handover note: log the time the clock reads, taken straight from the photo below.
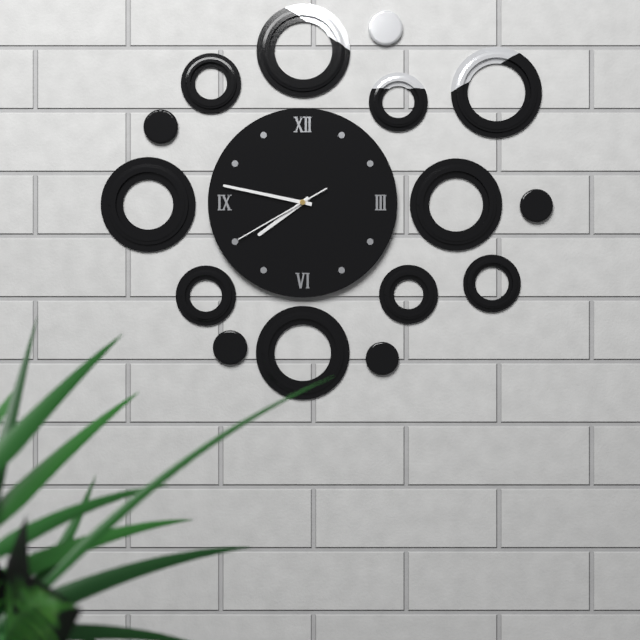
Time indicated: 7:47:40
